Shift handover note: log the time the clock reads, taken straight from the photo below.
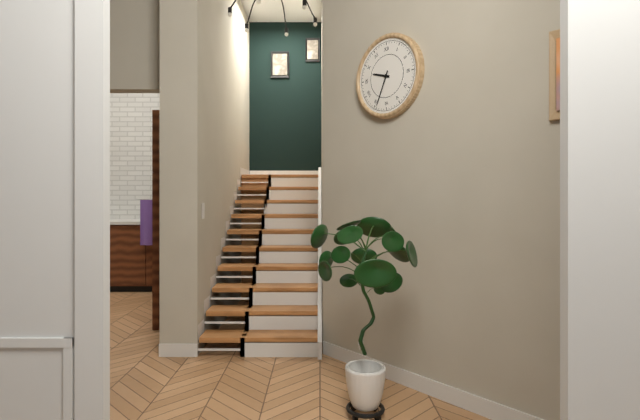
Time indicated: 9:34
